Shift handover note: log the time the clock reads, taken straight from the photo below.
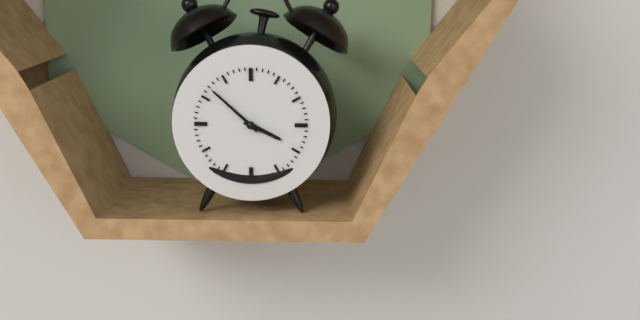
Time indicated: 3:52
